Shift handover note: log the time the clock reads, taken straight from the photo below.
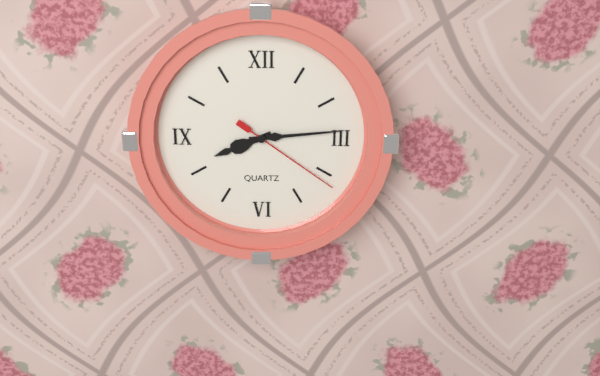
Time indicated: 8:14:21
